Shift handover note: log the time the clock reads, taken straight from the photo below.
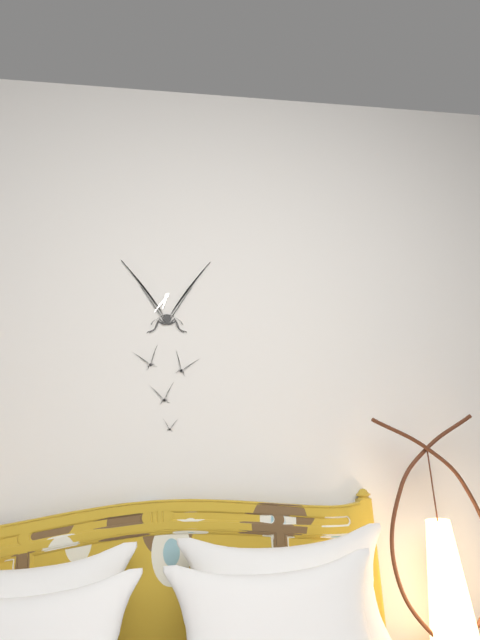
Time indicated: 6:36
